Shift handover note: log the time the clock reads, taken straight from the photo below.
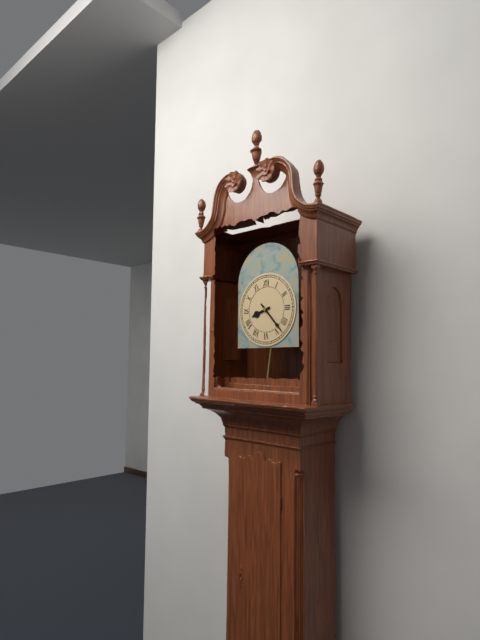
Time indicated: 8:23
